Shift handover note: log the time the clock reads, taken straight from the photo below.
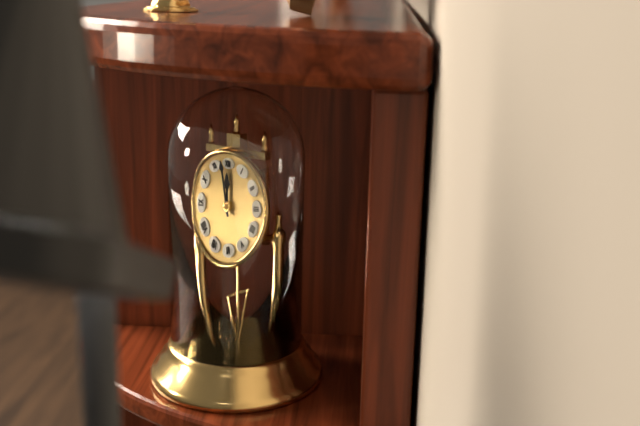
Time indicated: 11:58
